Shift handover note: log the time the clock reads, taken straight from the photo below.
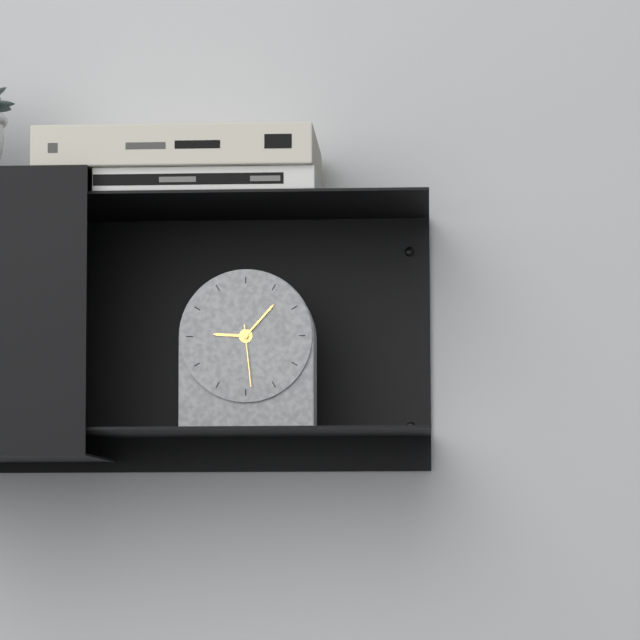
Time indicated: 9:07:29
